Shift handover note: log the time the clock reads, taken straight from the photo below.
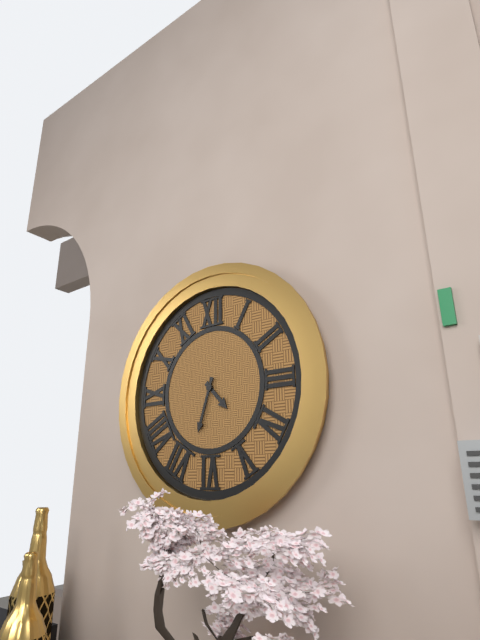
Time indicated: 4:33
